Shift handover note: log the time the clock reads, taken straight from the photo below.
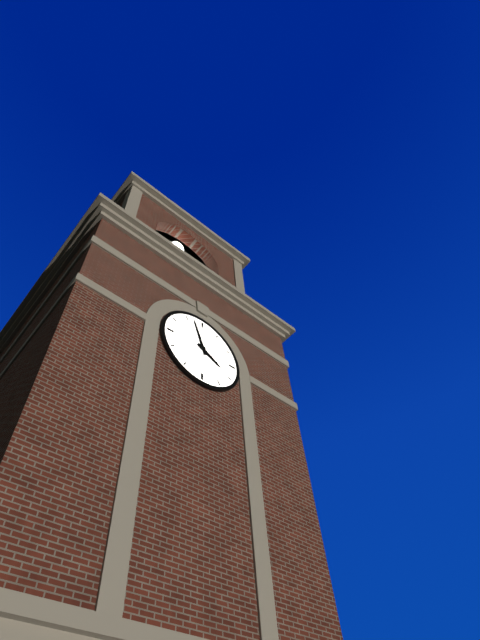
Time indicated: 3:57
